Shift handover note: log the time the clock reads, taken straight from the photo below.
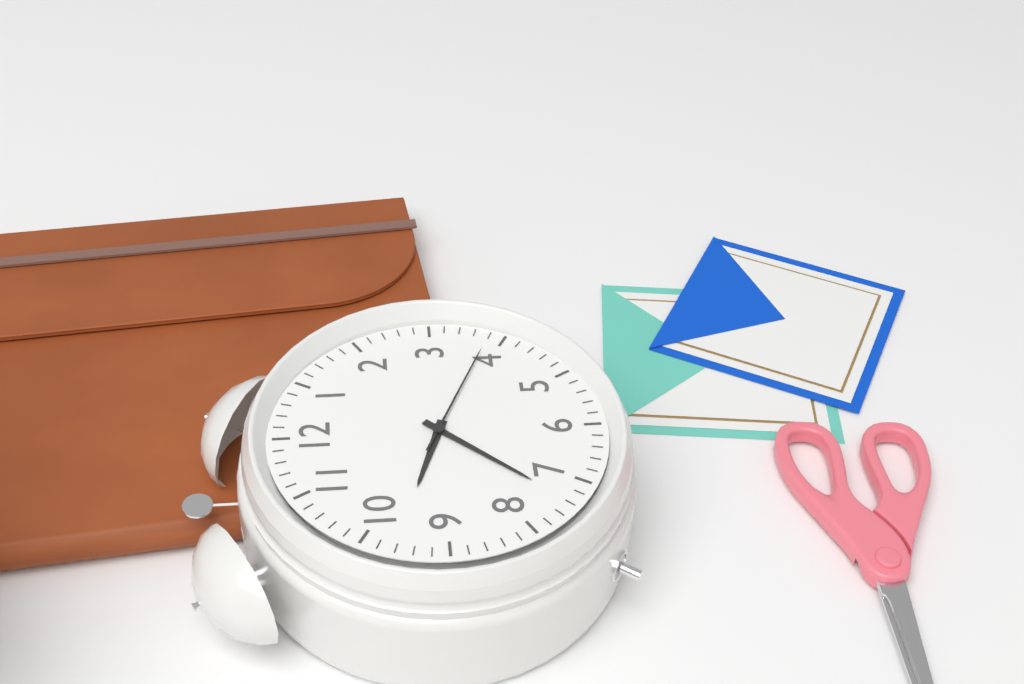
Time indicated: 9:37:19
